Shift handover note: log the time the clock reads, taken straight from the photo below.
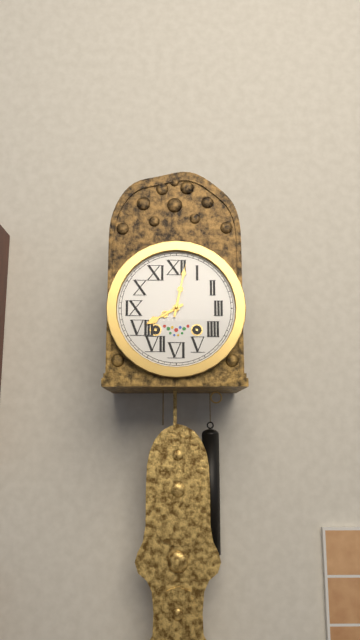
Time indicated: 8:02
